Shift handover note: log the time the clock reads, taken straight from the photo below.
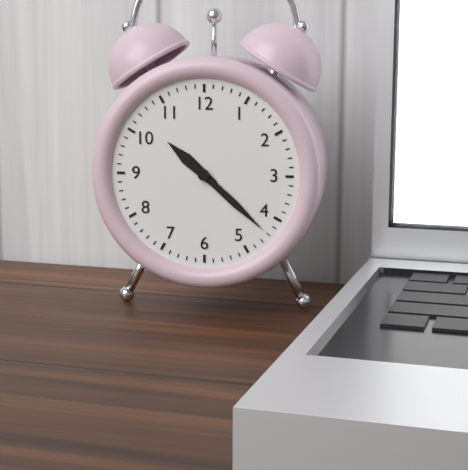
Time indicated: 10:22
